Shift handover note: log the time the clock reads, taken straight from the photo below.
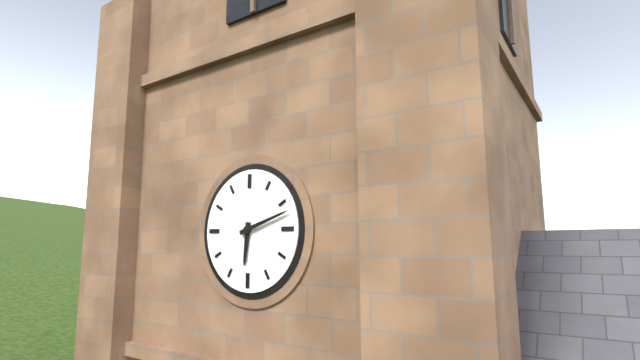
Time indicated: 6:12
